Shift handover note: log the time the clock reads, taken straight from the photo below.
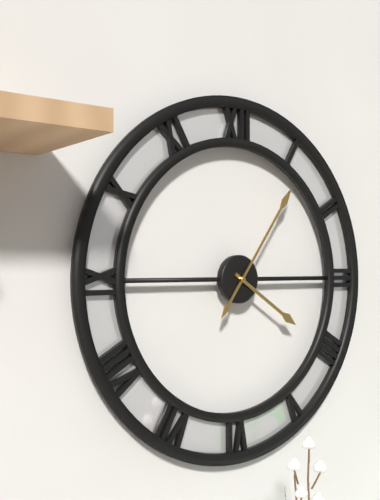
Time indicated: 4:06
